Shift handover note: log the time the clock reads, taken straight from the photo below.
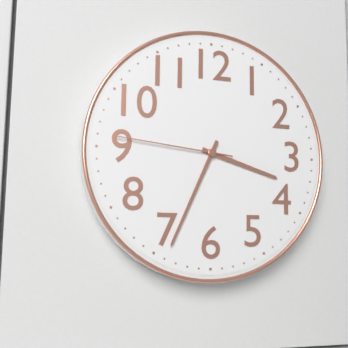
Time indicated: 3:34:46
